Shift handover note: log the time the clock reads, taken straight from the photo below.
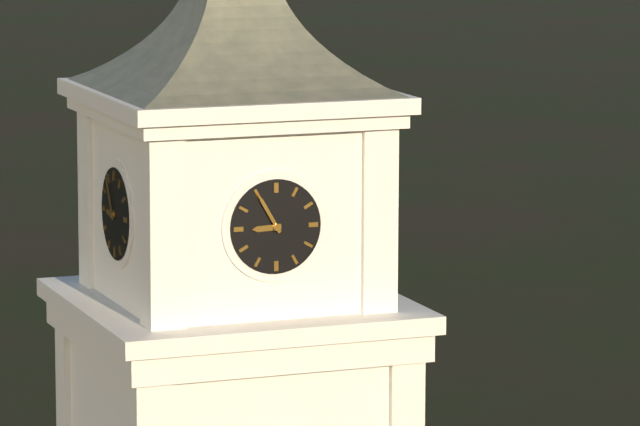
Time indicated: 8:55
